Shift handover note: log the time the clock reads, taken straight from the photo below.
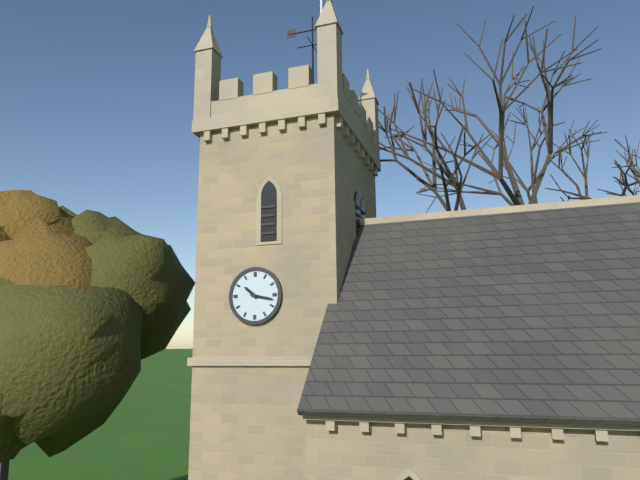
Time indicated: 10:17
